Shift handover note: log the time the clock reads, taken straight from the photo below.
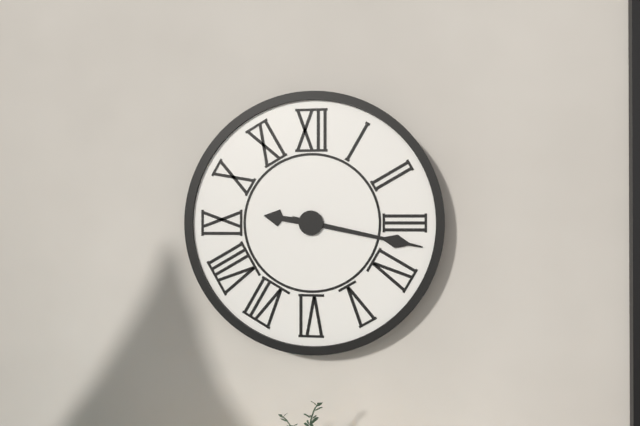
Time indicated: 9:17
